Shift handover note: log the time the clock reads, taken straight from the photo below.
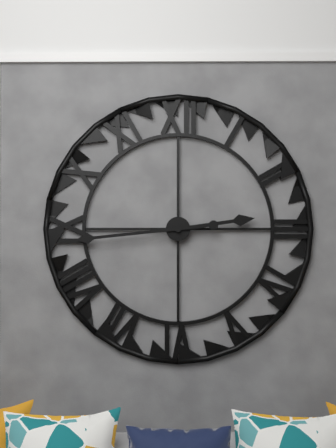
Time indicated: 2:44
